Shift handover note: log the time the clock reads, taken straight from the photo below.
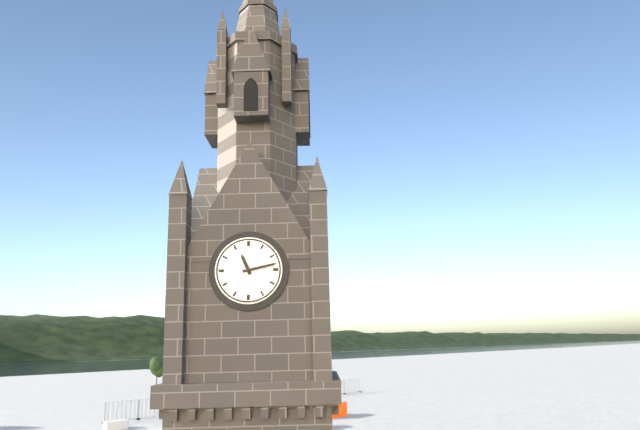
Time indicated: 11:13
